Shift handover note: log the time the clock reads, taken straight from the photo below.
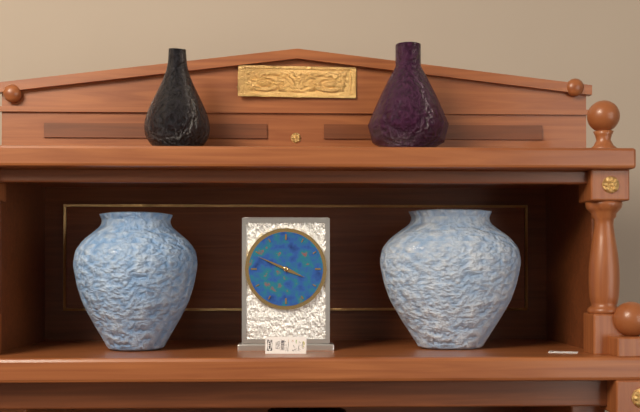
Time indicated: 3:49
